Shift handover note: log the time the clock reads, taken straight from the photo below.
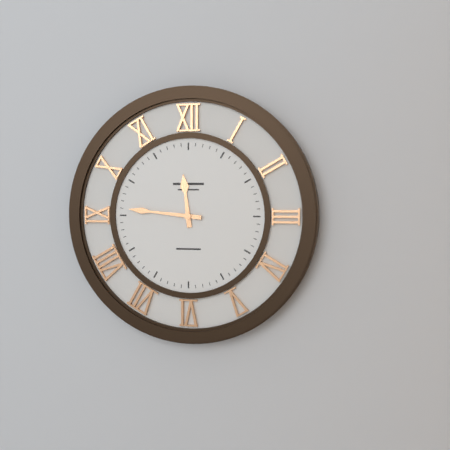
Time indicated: 11:46
